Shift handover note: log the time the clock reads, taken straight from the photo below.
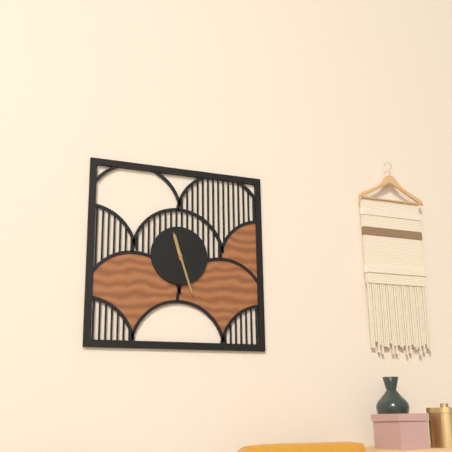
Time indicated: 11:27
